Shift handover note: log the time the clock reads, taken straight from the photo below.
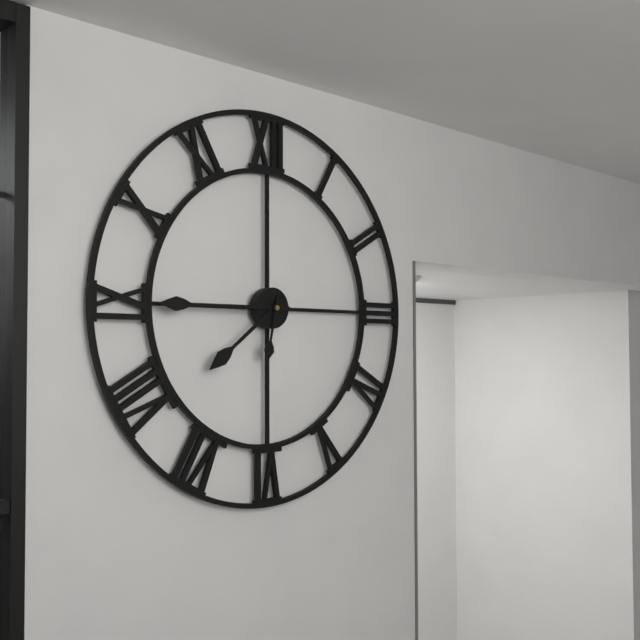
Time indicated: 7:45:32
